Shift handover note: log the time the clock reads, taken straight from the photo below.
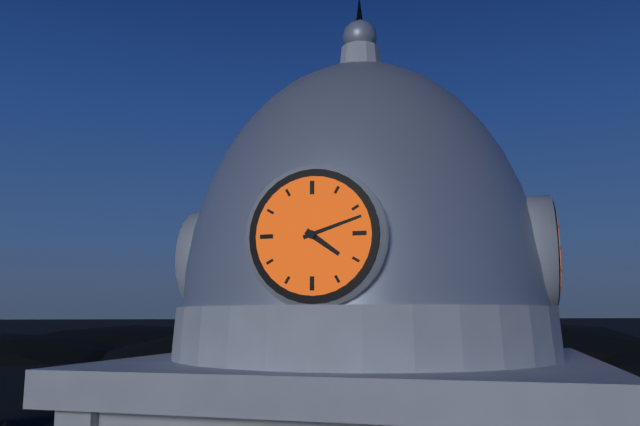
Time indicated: 4:12
